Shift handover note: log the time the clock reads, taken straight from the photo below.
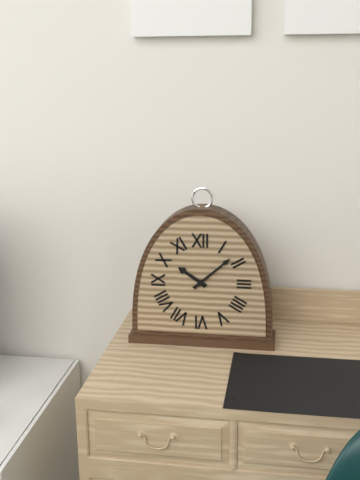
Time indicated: 10:08
